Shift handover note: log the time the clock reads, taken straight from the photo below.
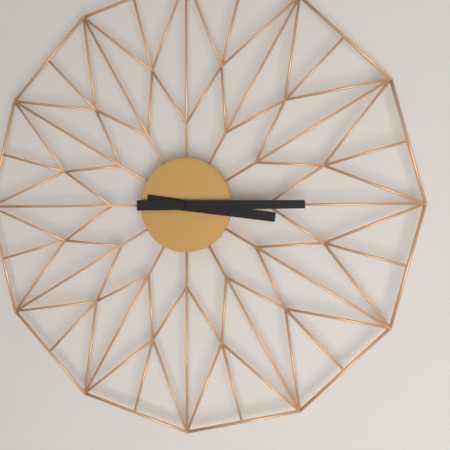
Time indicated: 3:15
